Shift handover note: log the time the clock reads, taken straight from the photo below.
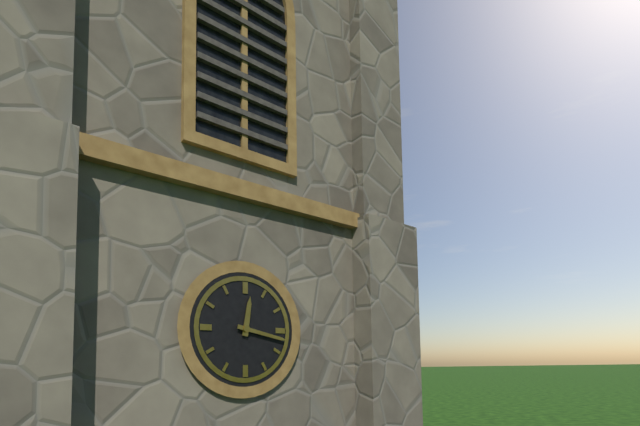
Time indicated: 12:17
